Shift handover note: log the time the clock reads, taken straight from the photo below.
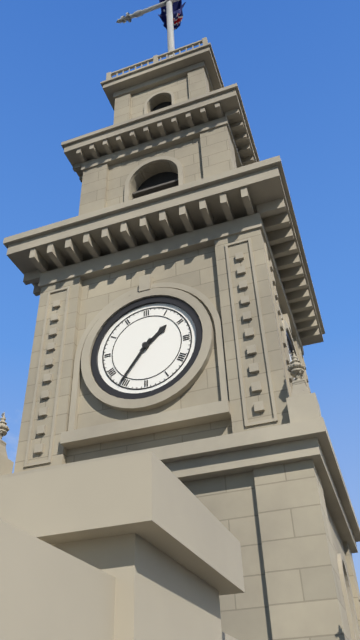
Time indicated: 1:36
